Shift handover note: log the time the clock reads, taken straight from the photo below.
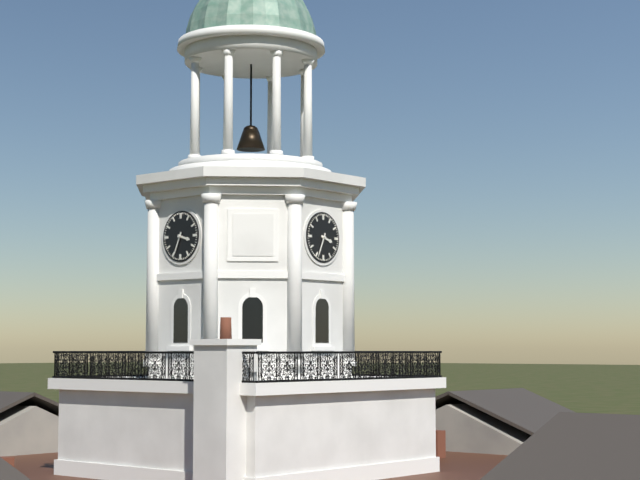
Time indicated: 3:34
